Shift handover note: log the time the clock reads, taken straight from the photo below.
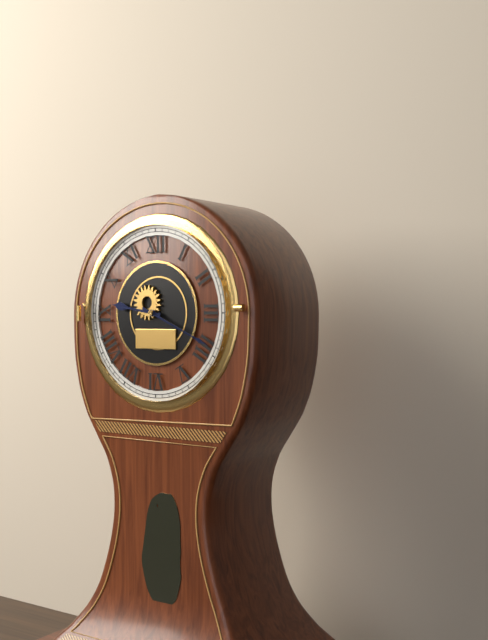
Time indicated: 9:19
